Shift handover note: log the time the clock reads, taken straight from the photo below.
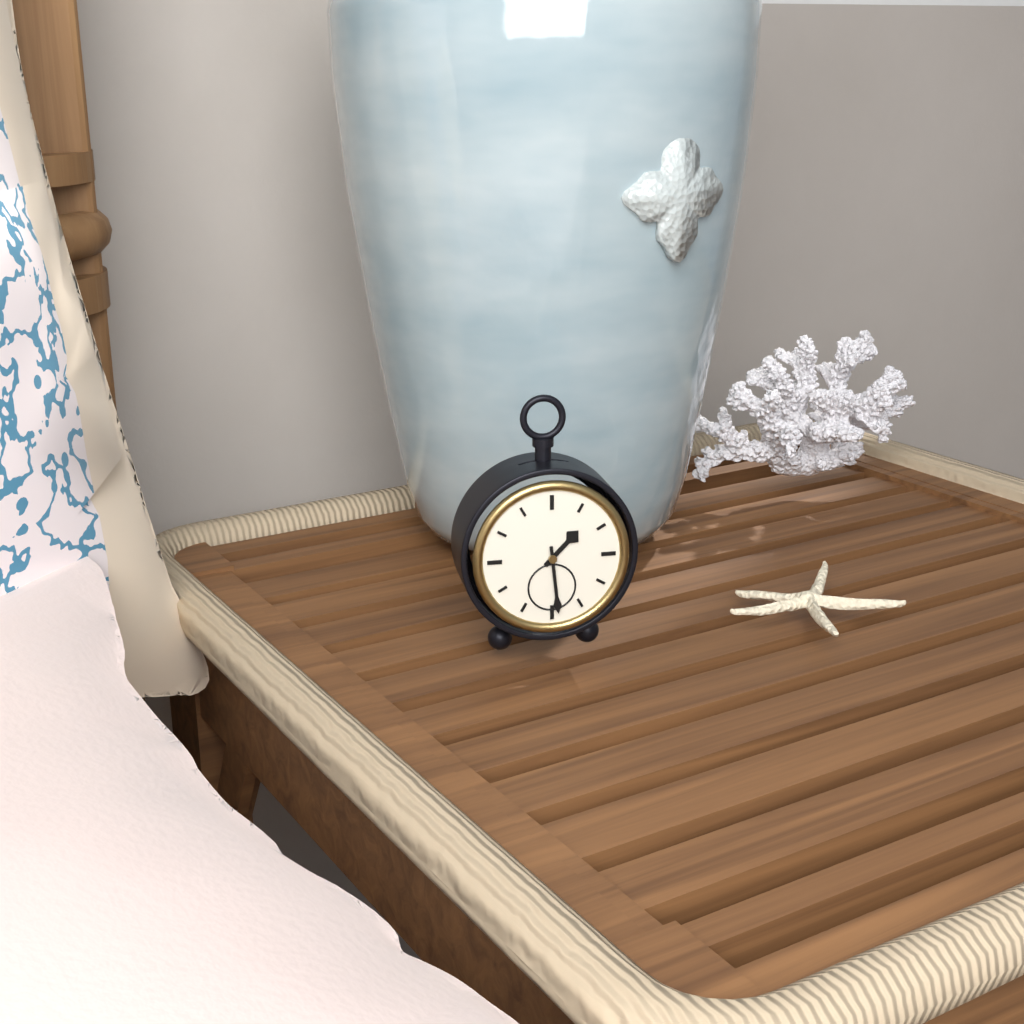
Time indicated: 1:29
